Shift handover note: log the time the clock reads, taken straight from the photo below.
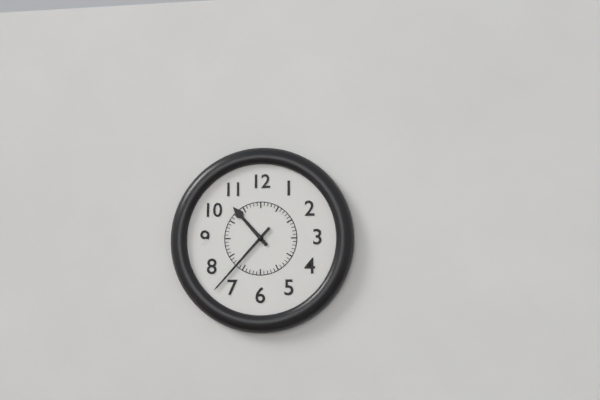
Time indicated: 10:37
